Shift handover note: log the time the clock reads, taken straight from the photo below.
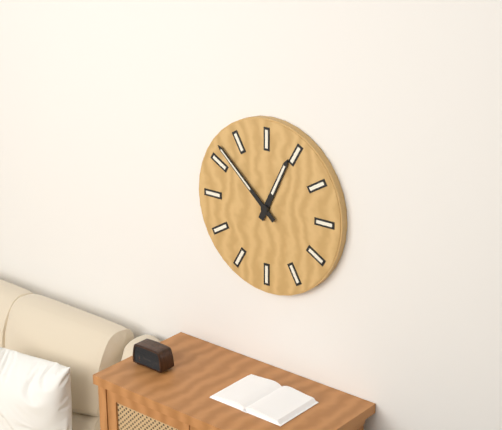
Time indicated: 12:52
